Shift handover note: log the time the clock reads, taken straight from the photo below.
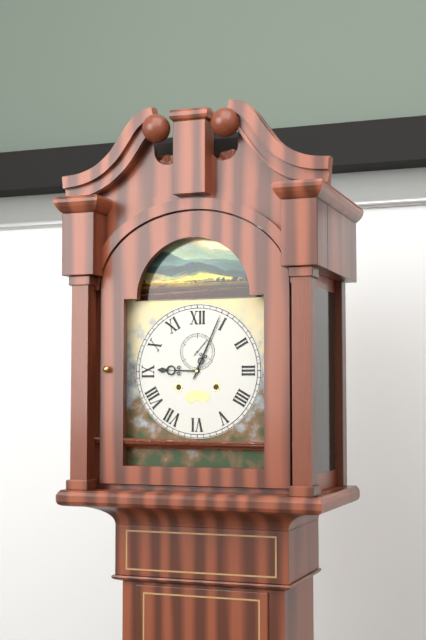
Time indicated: 9:04
